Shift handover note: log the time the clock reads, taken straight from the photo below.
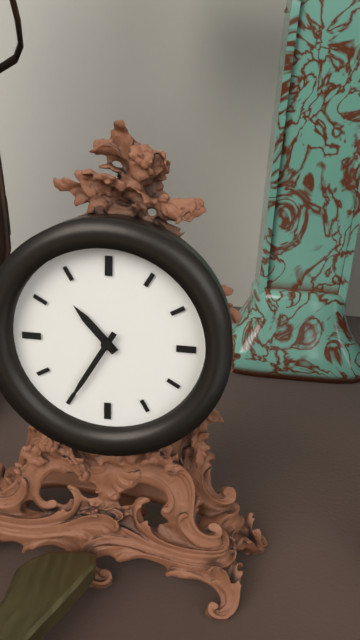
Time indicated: 10:35
